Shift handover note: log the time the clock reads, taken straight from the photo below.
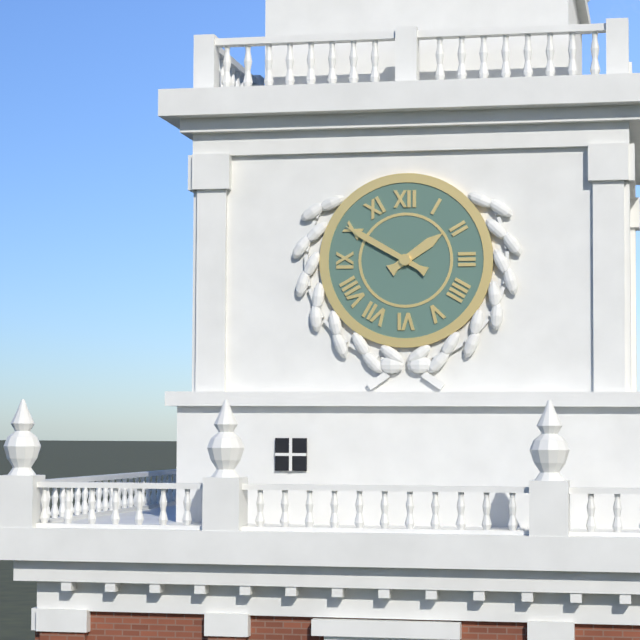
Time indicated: 1:50
